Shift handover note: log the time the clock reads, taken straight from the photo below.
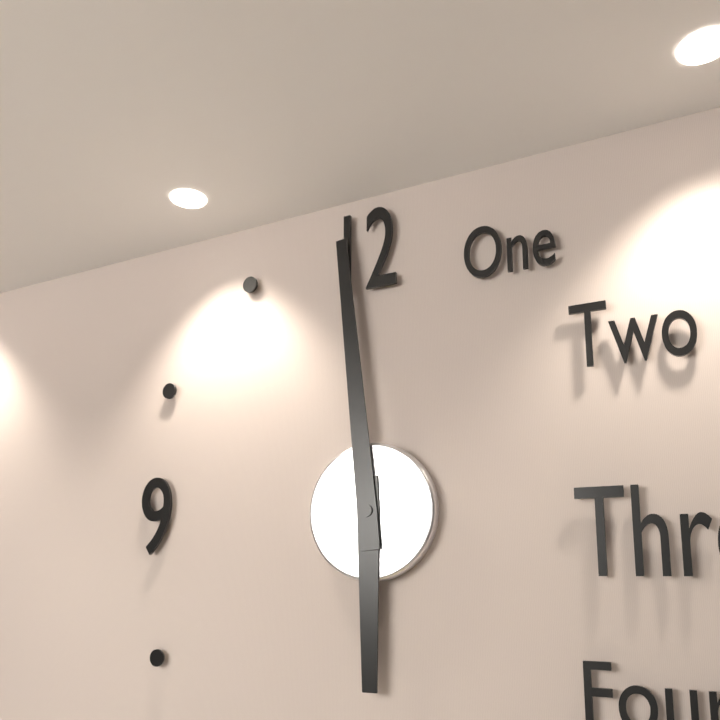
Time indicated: 5:59
